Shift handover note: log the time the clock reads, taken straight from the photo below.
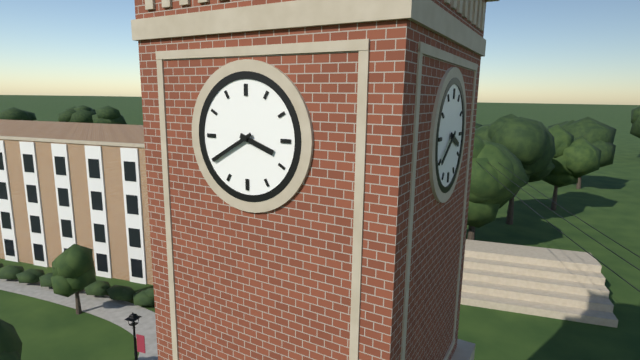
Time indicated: 3:40
